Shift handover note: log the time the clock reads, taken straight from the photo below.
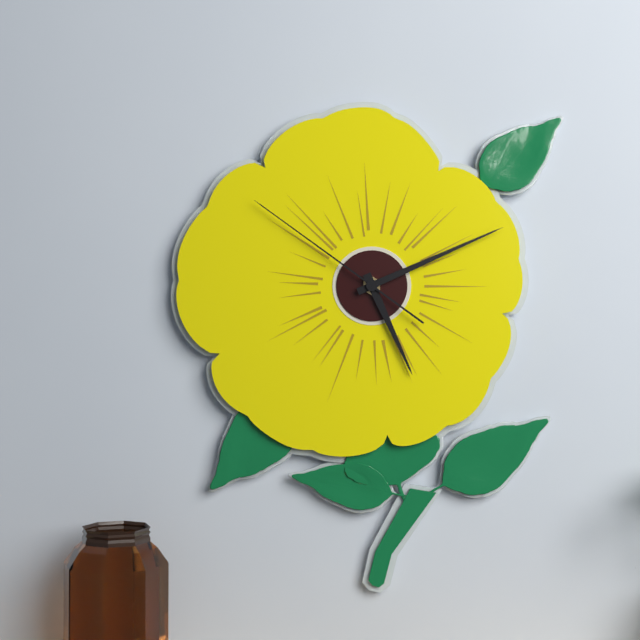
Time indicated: 5:11:51
